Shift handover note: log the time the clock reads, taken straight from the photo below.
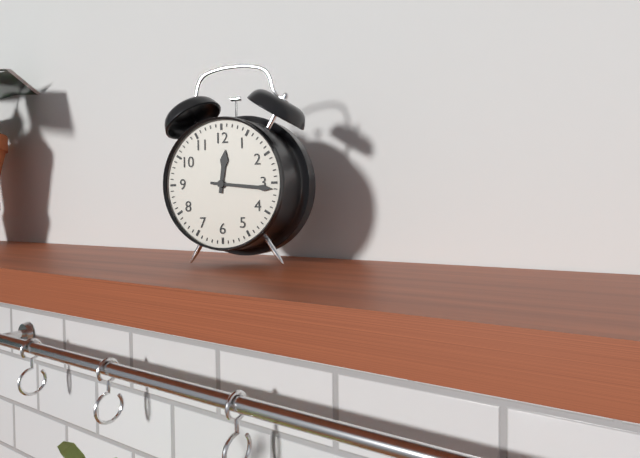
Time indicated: 12:16
